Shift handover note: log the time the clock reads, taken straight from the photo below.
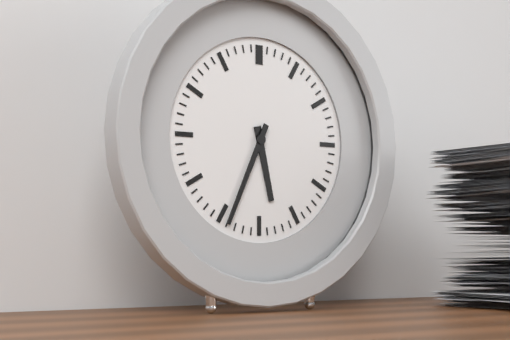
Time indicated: 5:34
